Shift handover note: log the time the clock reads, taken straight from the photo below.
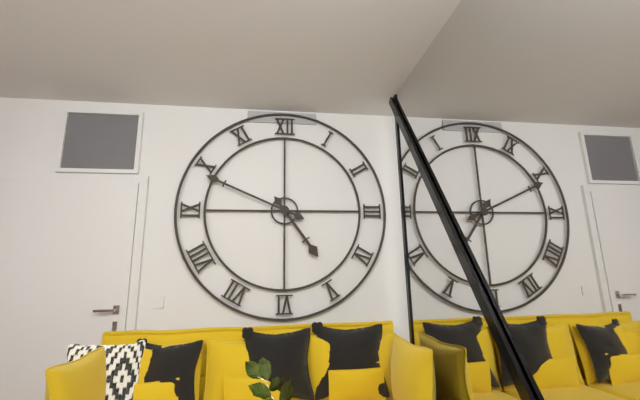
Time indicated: 4:49
